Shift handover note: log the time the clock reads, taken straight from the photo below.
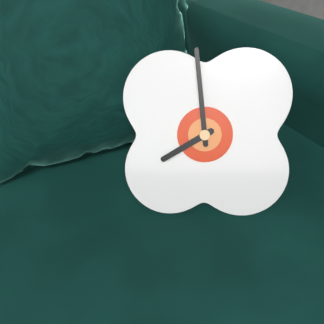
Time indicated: 7:59
